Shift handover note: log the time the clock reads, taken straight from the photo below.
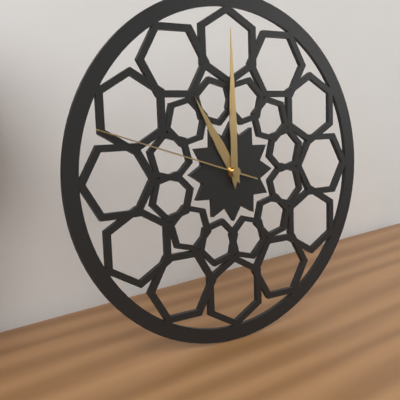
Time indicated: 11:00:48
